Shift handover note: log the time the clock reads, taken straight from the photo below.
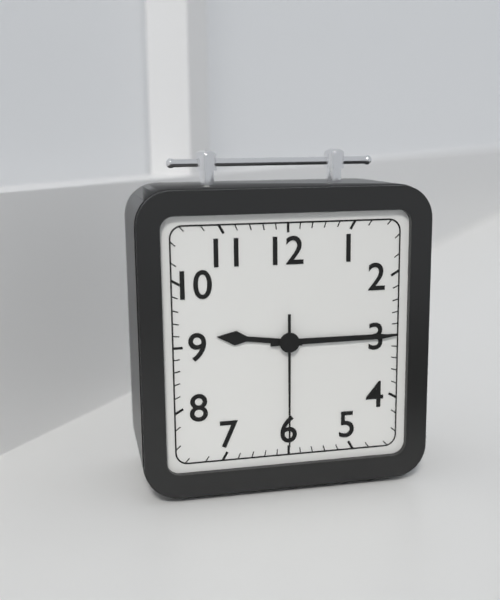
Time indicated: 9:15:30
